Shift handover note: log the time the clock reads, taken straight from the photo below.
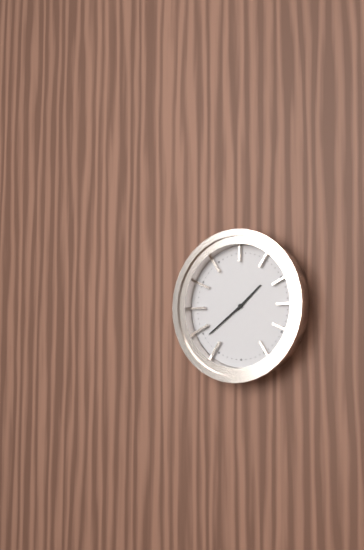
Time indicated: 1:39
